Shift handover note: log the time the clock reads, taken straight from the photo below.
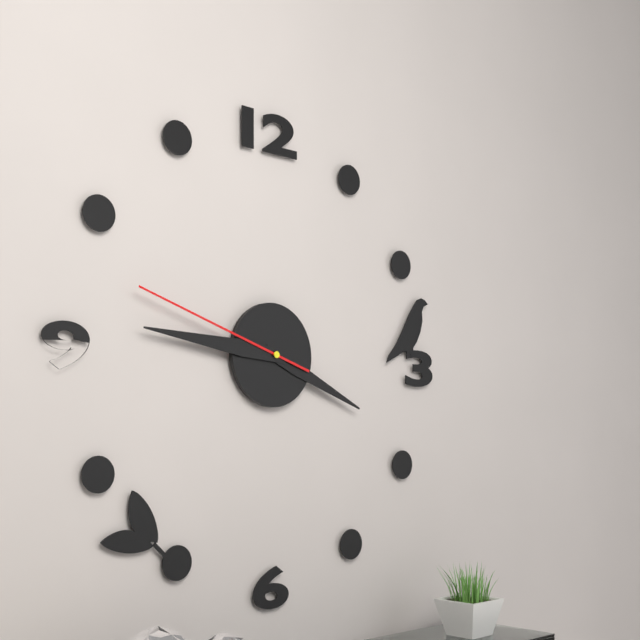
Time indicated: 3:46:48
